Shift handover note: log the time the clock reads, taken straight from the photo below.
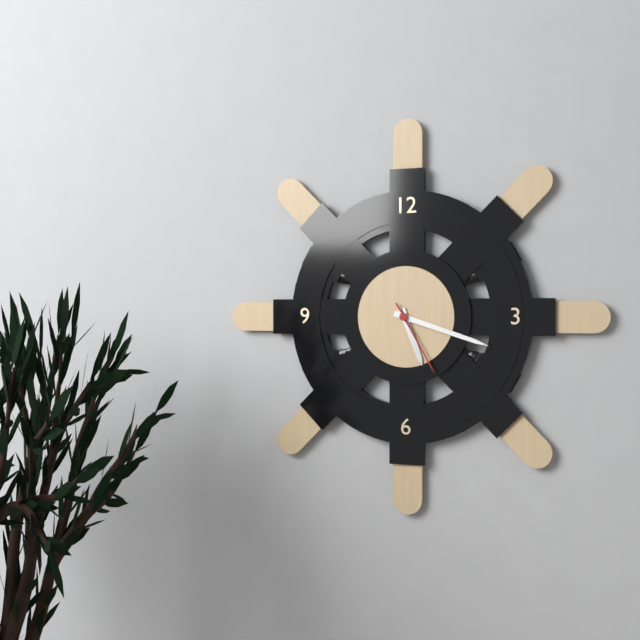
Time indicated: 5:18:25
